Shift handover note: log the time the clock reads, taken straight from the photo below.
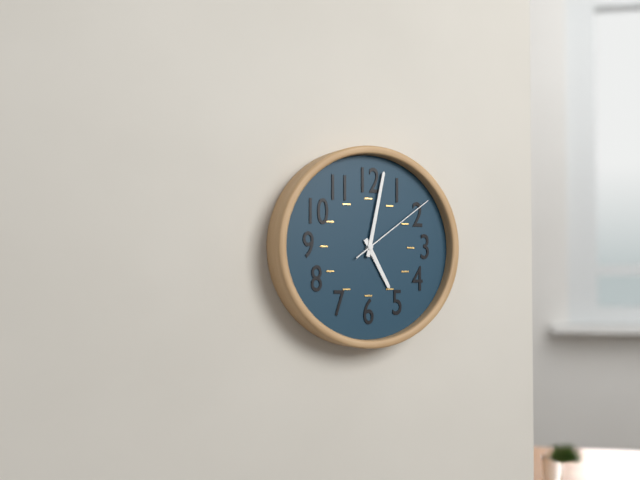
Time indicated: 5:02:09
